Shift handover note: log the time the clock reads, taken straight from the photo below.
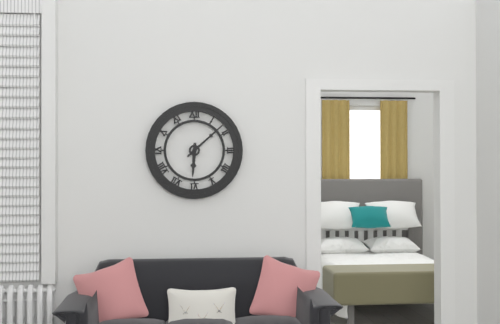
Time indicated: 6:08
